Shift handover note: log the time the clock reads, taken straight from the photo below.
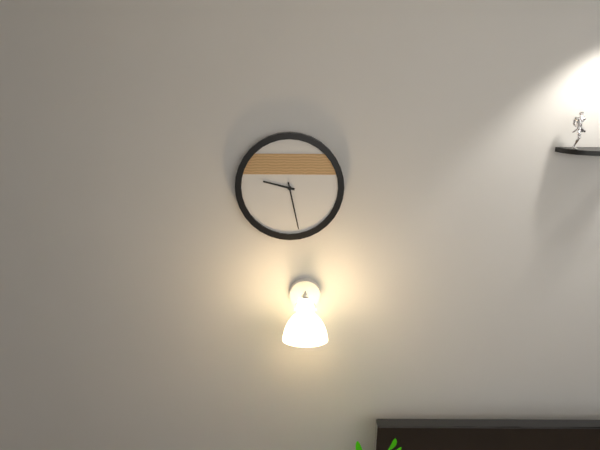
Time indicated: 9:28
